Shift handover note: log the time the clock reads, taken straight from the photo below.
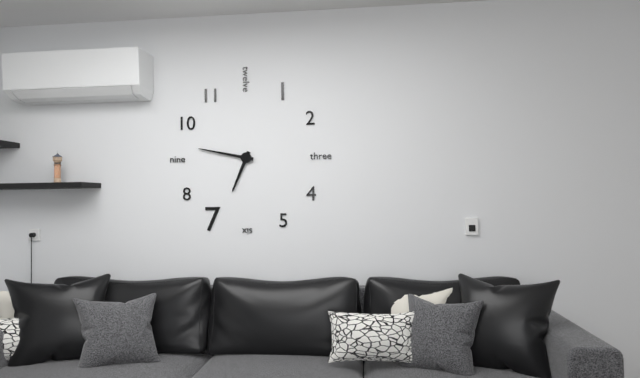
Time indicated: 6:47
